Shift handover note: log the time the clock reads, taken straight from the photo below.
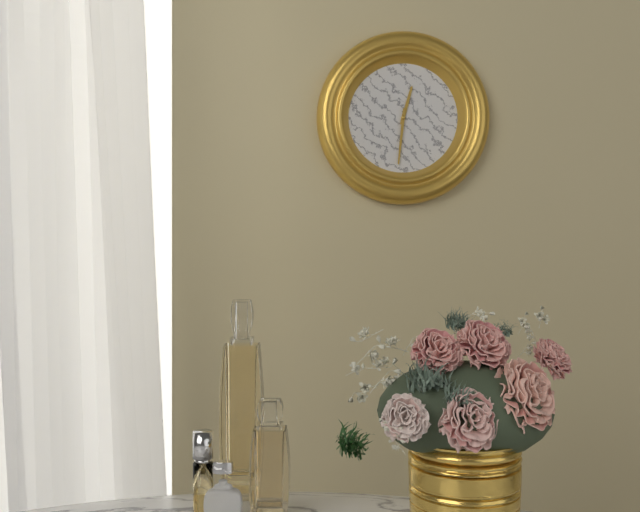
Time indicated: 12:31
